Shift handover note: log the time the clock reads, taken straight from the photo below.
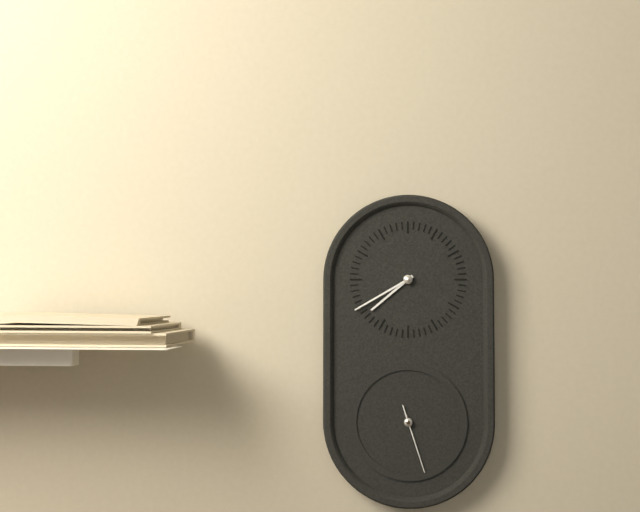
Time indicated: 7:40:27
